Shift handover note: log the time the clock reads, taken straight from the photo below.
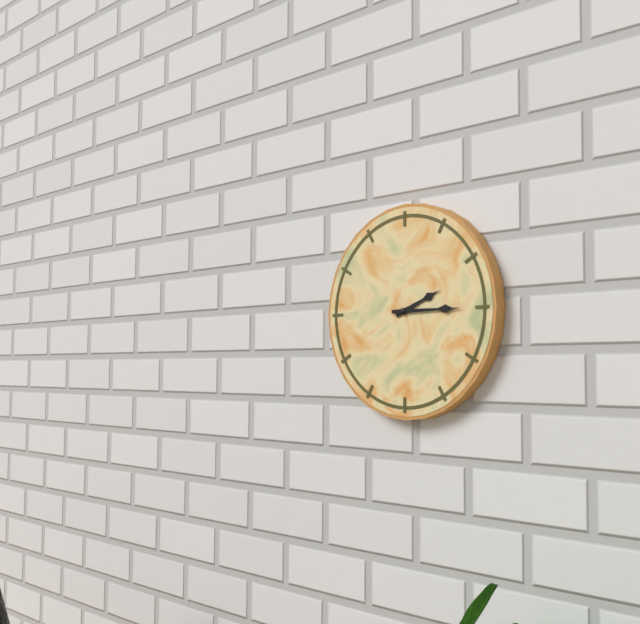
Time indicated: 2:15
